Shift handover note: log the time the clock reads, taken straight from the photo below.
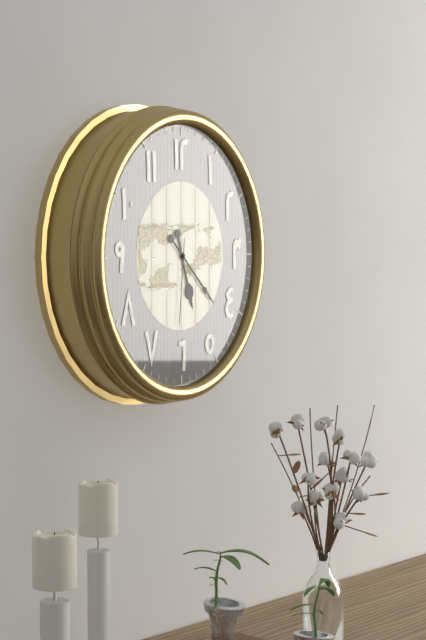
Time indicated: 5:22:31
